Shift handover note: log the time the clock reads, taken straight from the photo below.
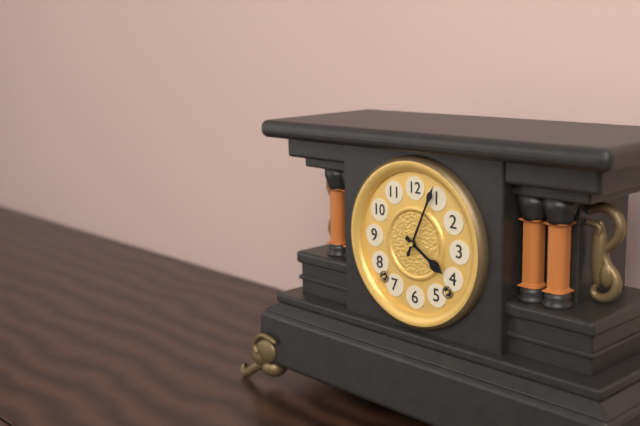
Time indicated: 4:04
